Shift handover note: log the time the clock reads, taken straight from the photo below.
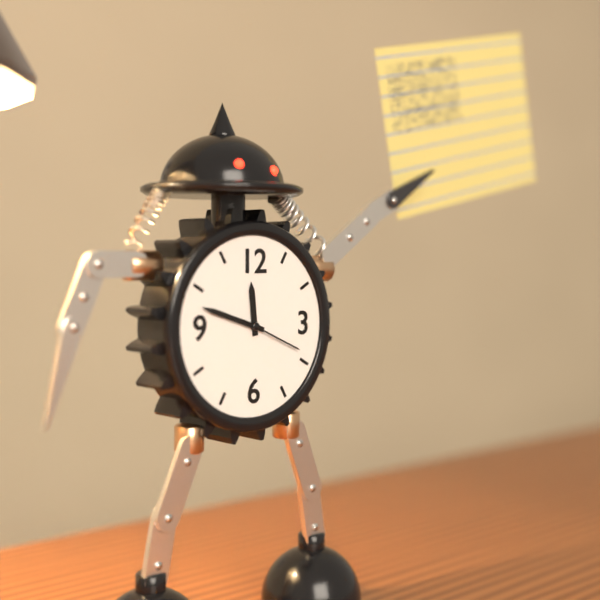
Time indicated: 11:48:19
